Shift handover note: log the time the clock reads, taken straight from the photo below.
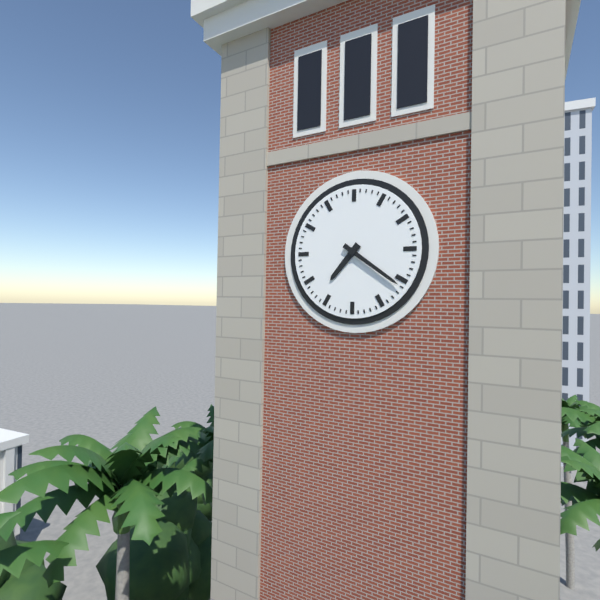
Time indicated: 7:21
